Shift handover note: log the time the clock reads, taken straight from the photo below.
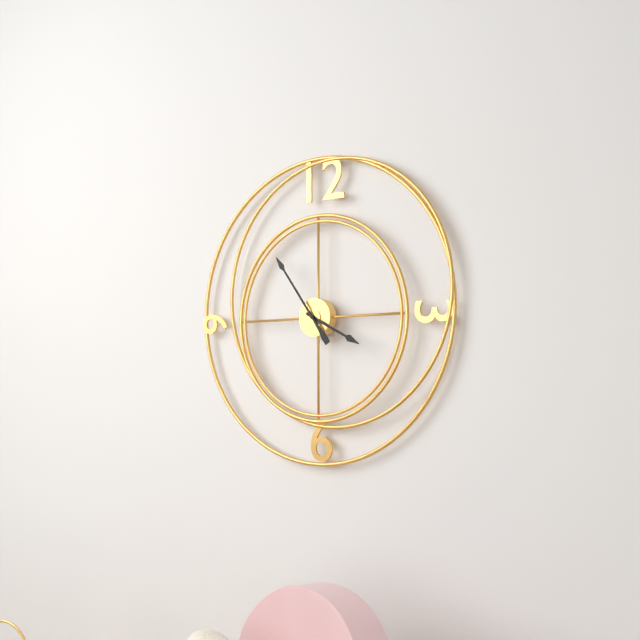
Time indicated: 3:54
